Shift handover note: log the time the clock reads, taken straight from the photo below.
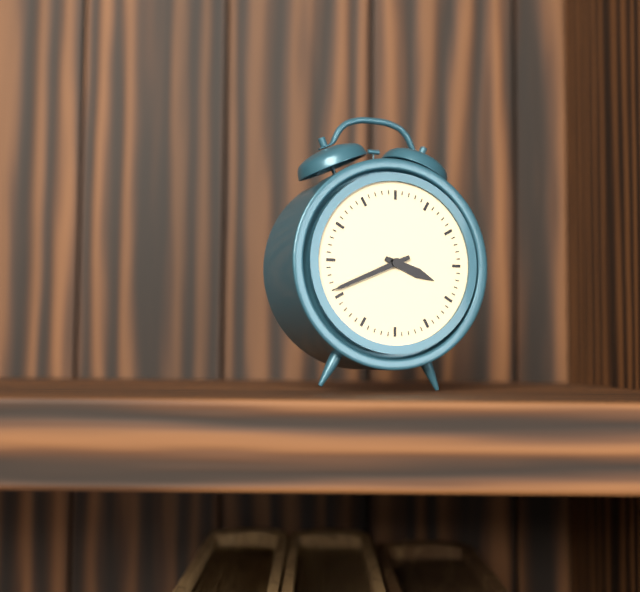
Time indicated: 3:41
